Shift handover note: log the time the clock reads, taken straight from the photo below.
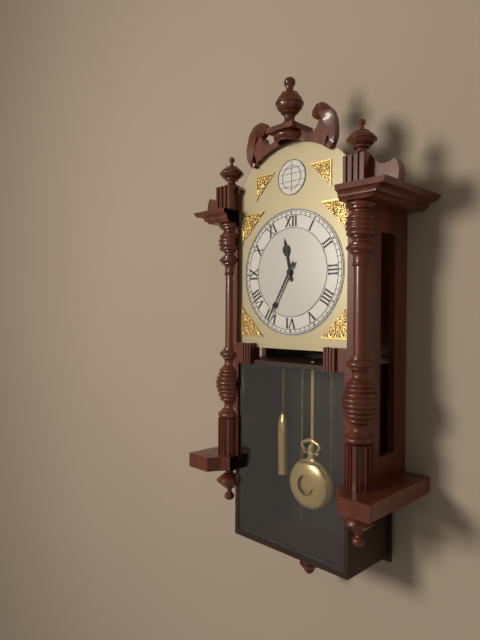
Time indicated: 11:35
